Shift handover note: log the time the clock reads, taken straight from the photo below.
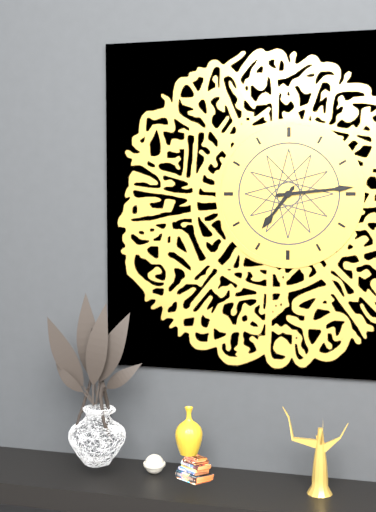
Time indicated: 7:14
